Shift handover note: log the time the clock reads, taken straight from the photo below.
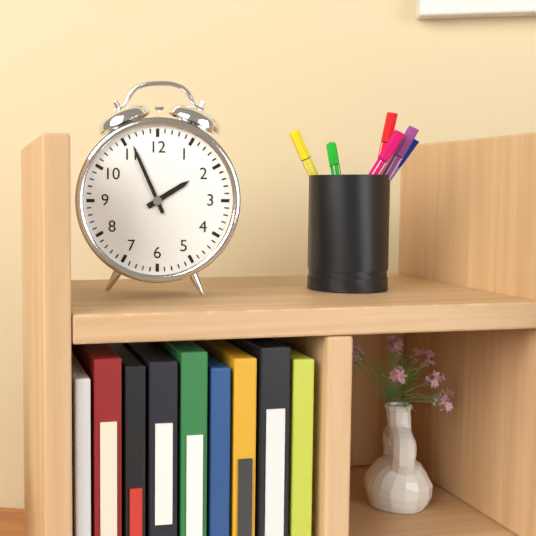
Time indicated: 1:56
